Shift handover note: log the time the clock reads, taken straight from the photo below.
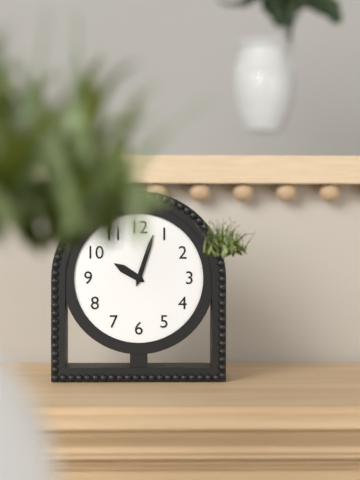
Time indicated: 10:03
